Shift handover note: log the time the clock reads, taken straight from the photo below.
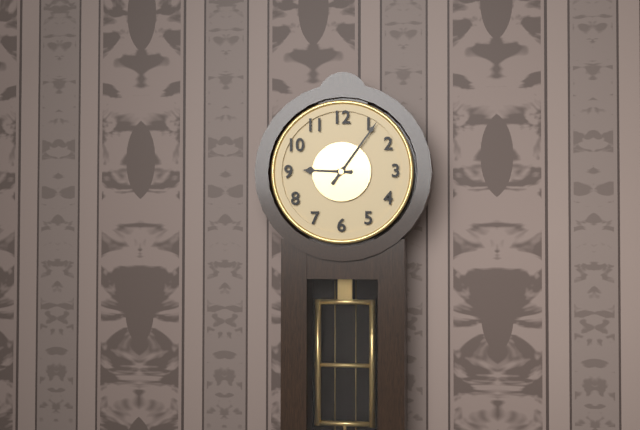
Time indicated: 9:06
